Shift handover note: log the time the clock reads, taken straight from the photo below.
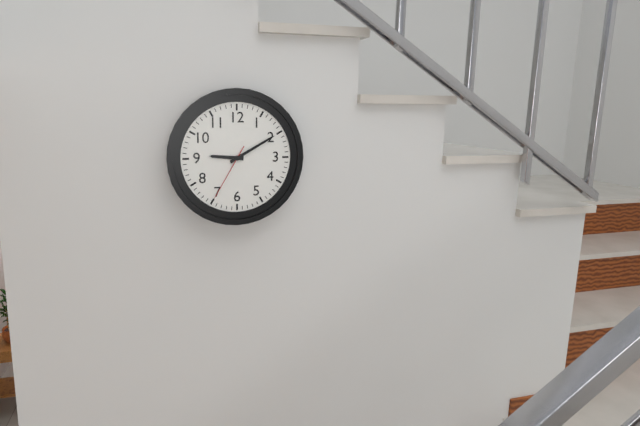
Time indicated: 9:10:35
